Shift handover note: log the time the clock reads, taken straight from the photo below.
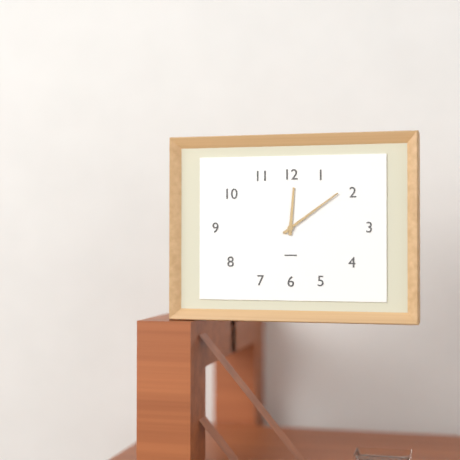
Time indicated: 12:09
